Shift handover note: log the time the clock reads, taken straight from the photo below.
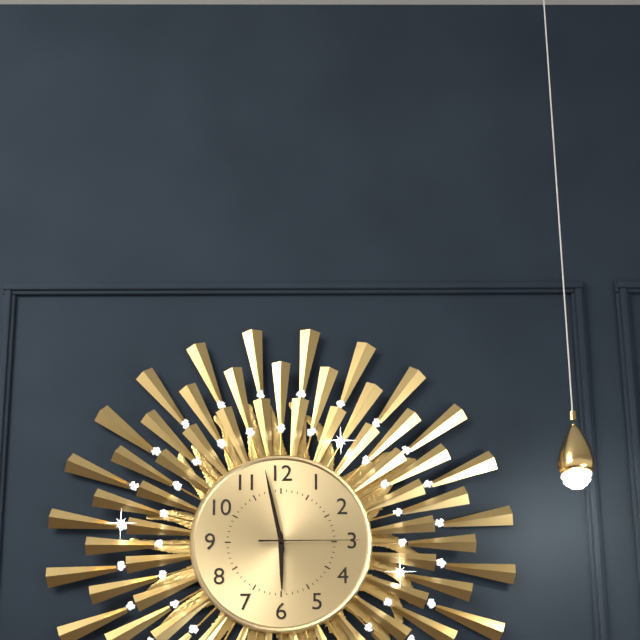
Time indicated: 5:58:15
